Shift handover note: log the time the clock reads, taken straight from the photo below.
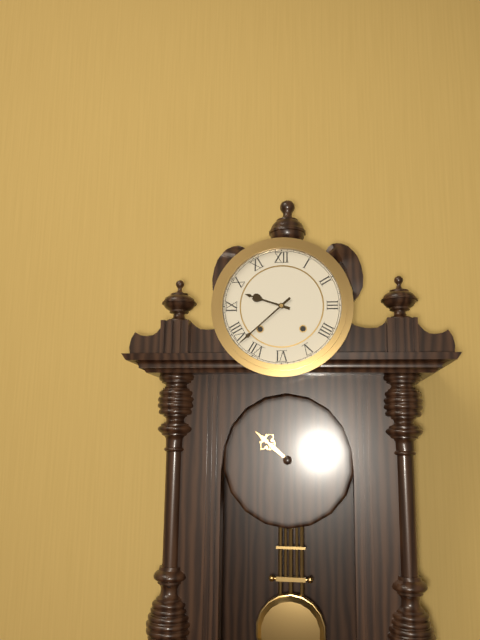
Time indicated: 9:38
